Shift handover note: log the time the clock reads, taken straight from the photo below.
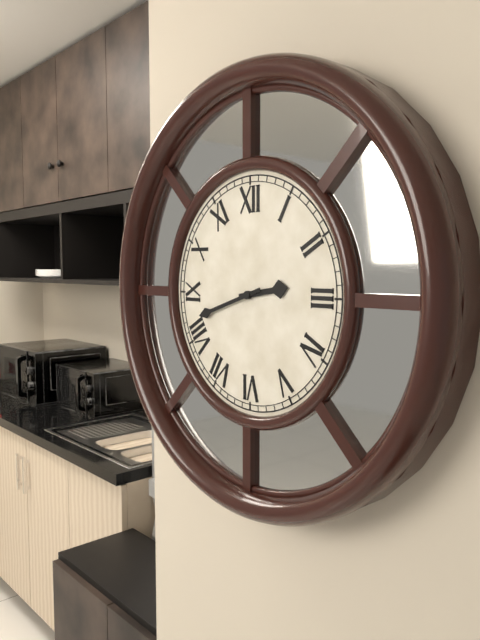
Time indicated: 2:42
